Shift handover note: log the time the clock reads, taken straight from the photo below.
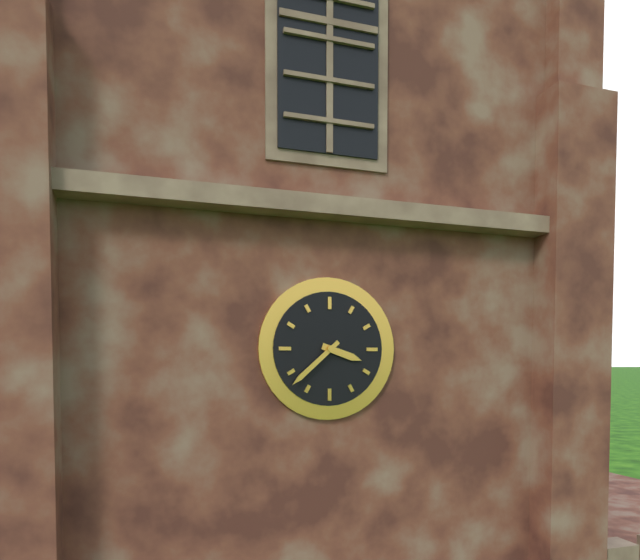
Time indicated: 3:38
